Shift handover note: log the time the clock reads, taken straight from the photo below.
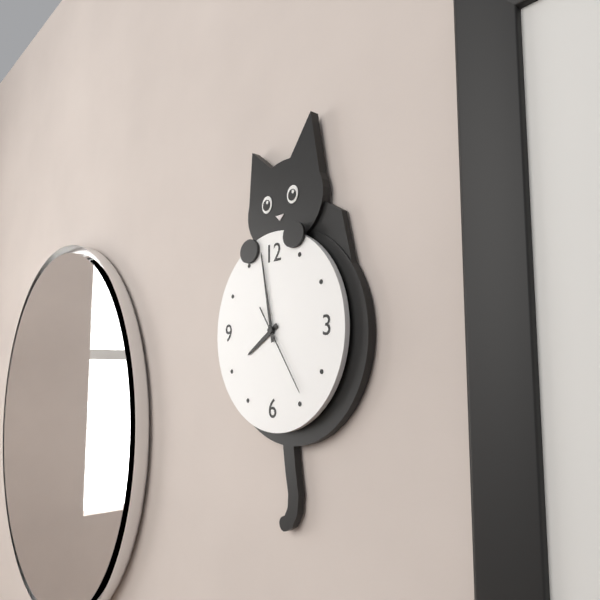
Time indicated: 7:58:24
